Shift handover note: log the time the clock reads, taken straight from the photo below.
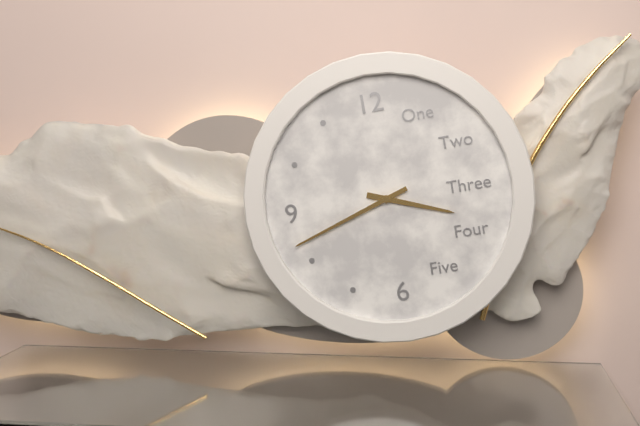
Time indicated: 3:42
